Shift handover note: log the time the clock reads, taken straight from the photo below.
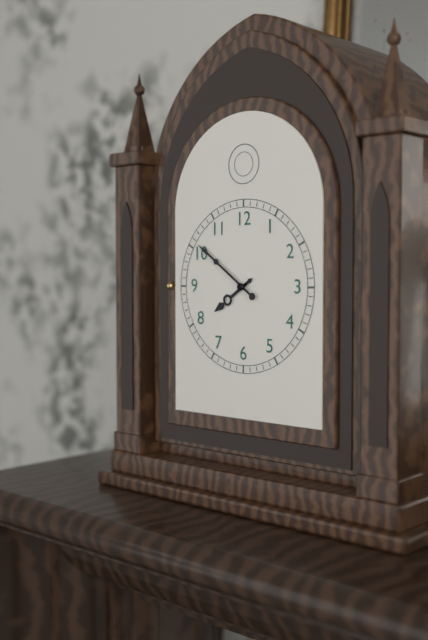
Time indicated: 7:51
